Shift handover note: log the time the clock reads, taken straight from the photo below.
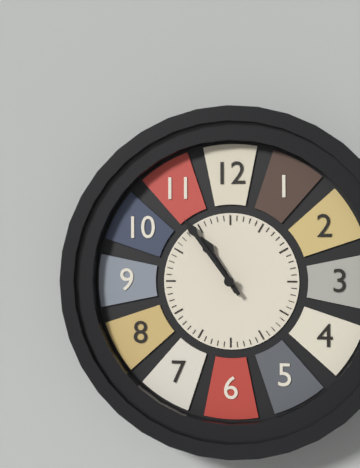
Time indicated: 10:54
